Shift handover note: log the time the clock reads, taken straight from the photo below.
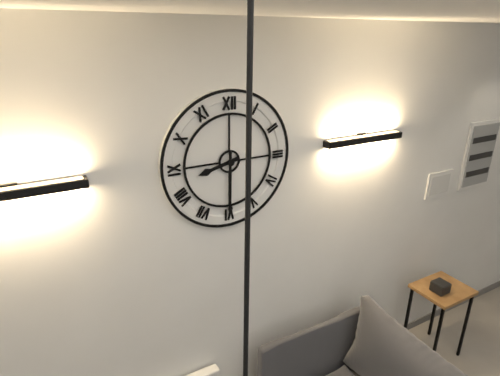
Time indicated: 8:30
